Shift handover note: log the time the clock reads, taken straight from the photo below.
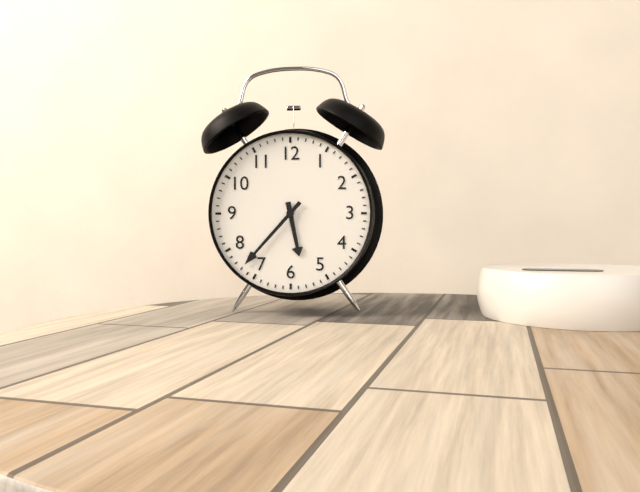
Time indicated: 5:37
